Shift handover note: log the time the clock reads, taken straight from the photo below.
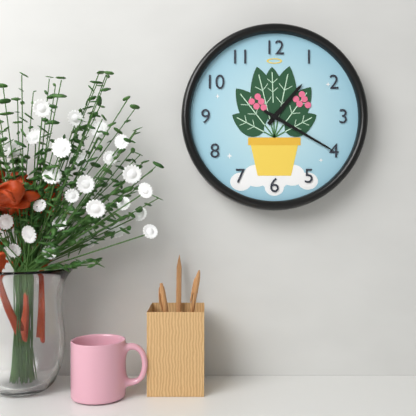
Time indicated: 1:20
